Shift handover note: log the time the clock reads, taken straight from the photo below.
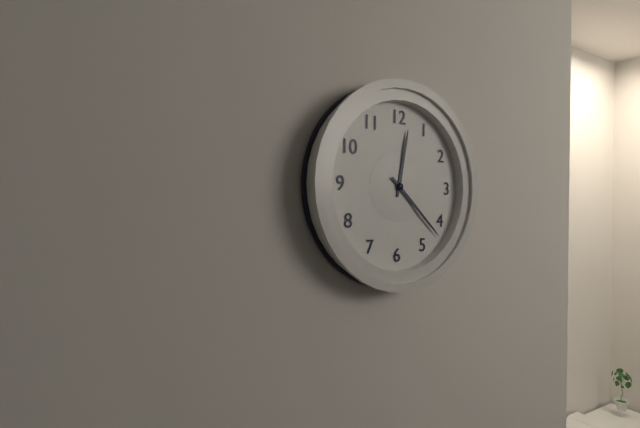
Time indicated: 12:22
